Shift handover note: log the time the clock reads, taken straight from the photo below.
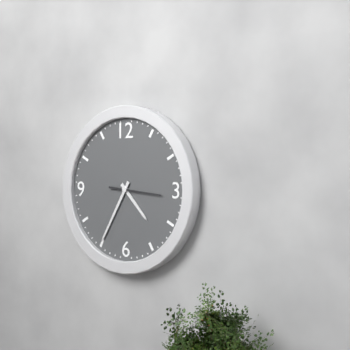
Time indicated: 4:35
